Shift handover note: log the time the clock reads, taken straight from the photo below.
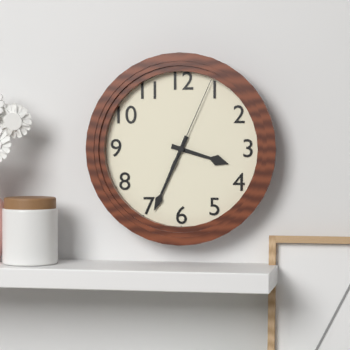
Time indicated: 3:34:04
